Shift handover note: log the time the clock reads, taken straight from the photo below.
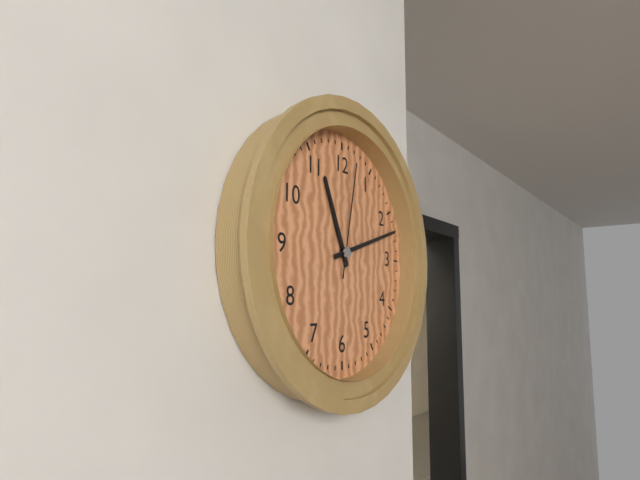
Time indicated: 11:12:02
